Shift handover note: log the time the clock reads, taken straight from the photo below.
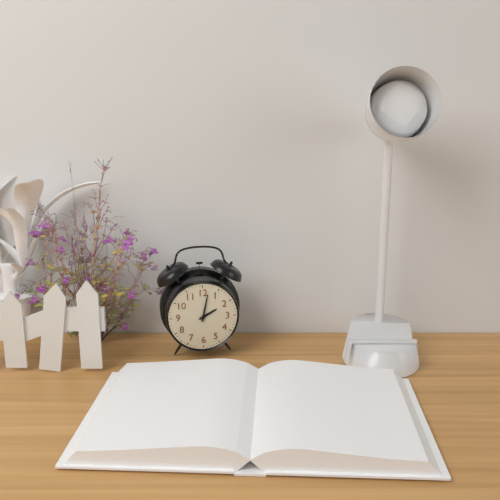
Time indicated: 2:02
